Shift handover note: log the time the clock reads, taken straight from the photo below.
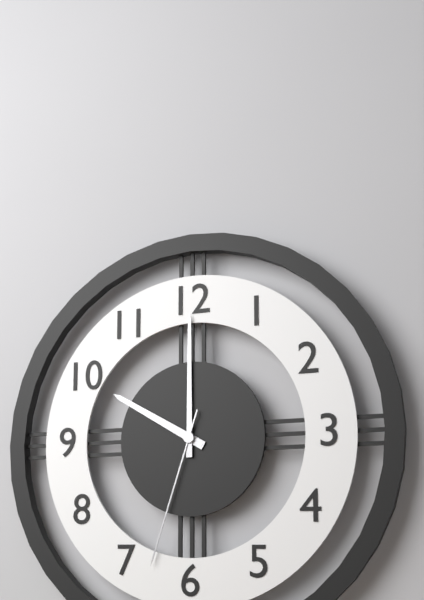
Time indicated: 10:00:33
